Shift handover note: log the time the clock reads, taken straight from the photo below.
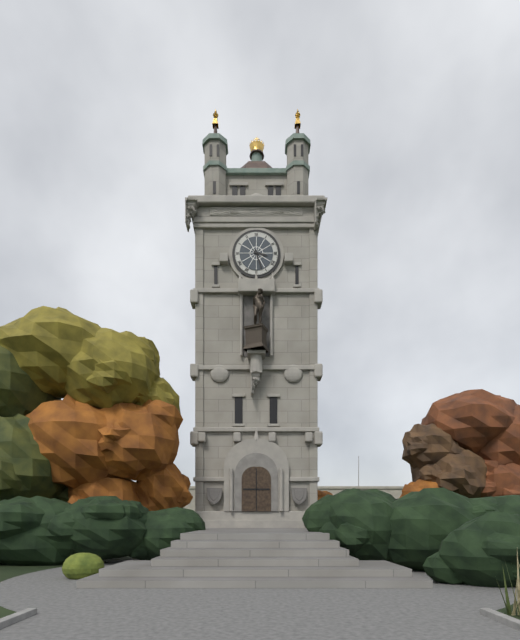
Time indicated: 3:27
